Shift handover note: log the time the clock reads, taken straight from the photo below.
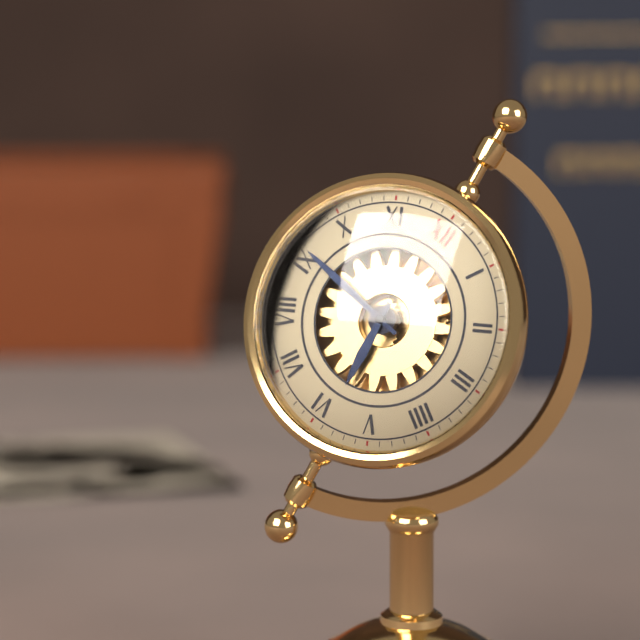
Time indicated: 5:46
